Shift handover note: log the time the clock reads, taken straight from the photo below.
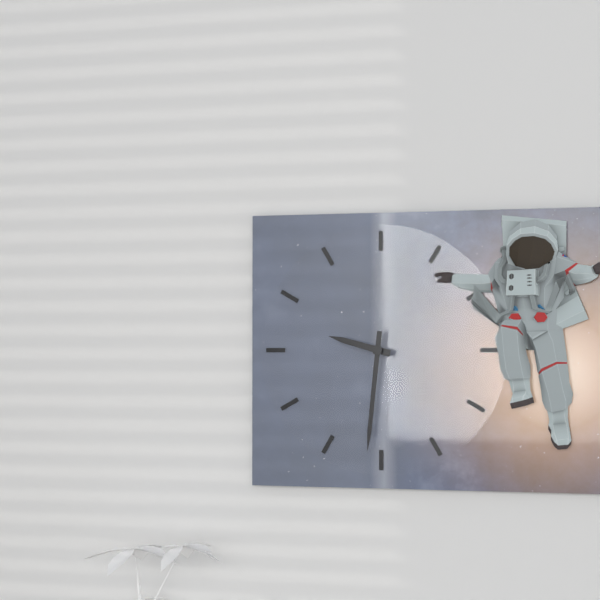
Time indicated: 9:31
